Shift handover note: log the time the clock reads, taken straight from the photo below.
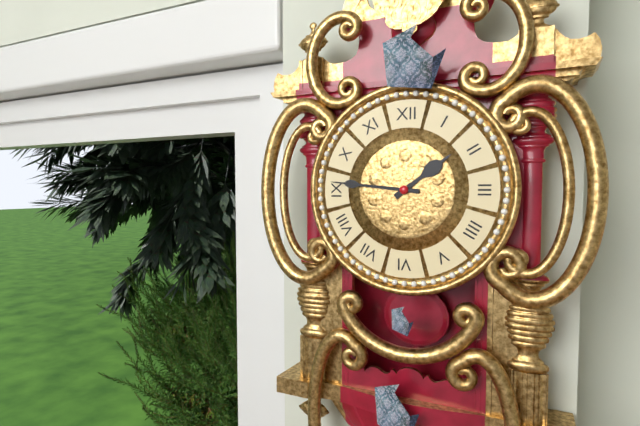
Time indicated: 1:46
